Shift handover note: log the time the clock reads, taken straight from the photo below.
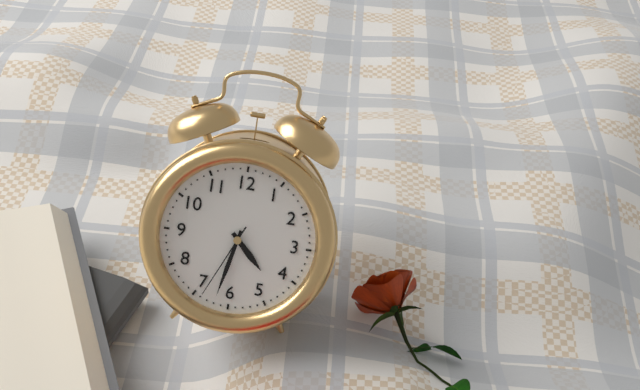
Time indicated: 4:32:34
